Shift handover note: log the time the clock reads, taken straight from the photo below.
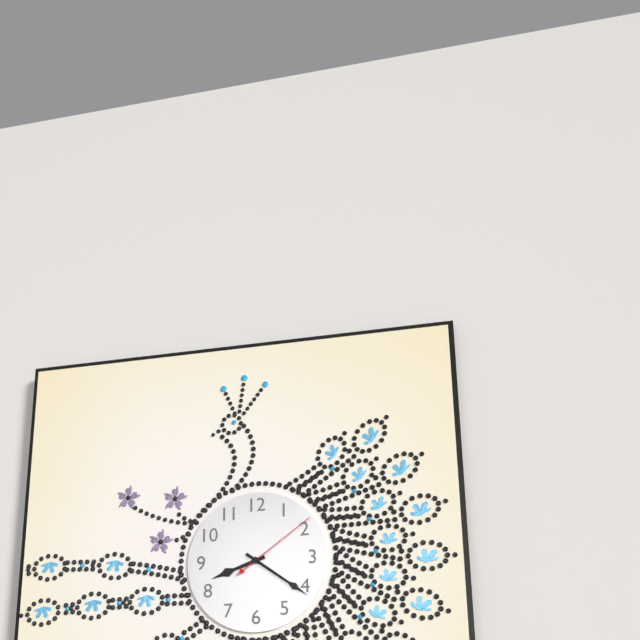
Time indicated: 8:21:09
